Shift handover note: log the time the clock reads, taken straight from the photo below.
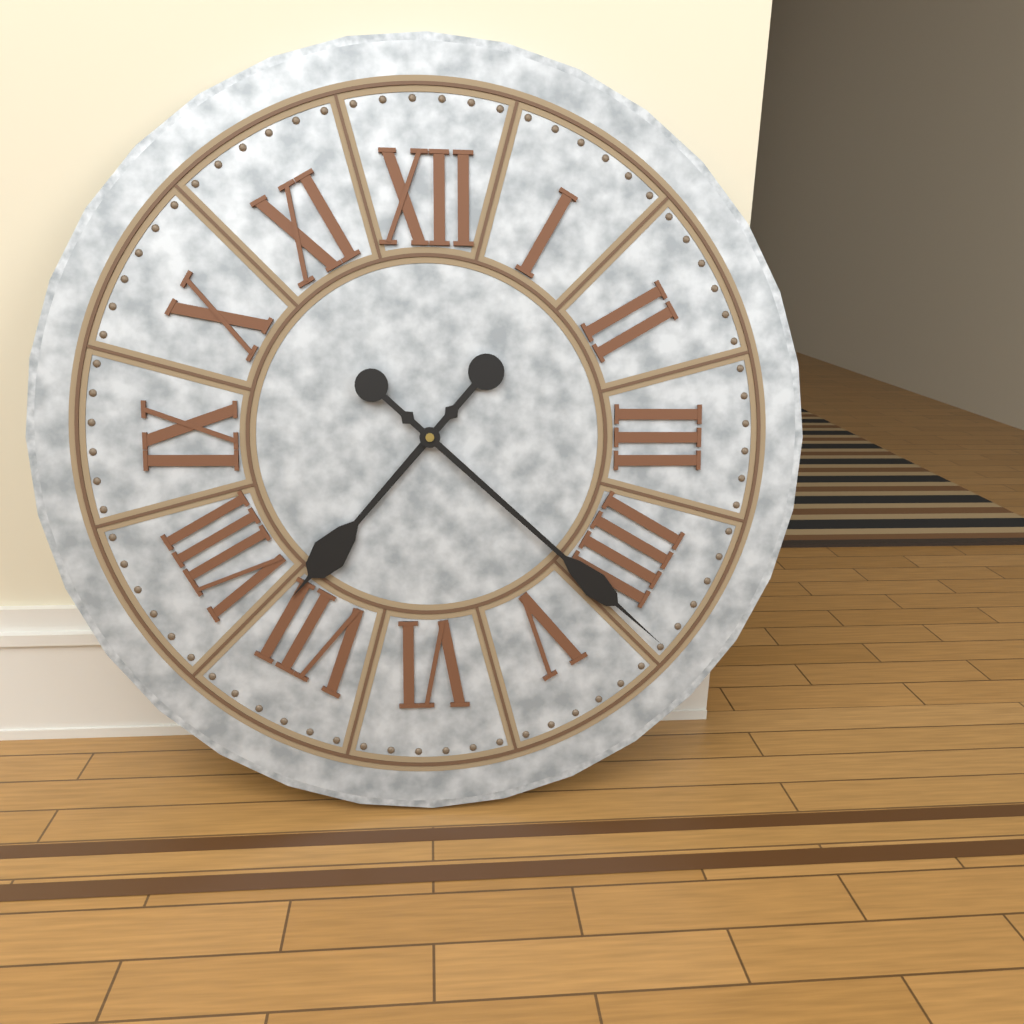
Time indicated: 7:22
